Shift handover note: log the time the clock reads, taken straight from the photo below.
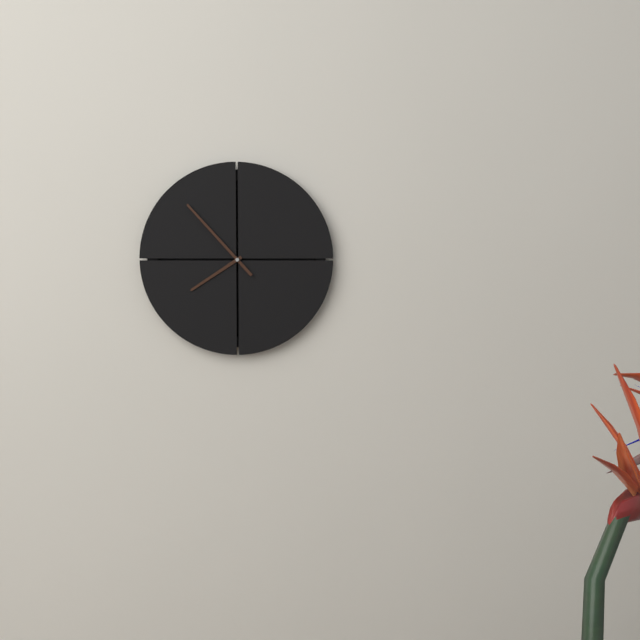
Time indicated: 7:53
